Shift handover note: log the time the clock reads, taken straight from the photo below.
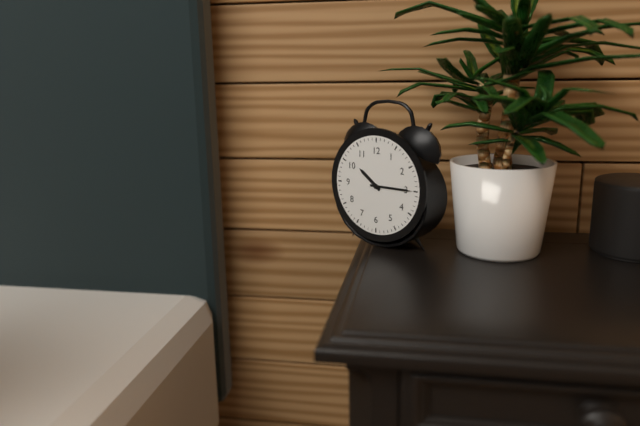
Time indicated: 10:15
